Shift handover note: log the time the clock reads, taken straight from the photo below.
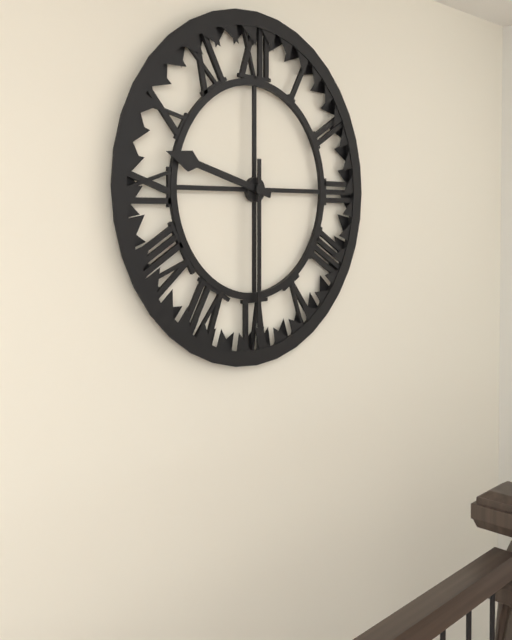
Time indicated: 9:30
